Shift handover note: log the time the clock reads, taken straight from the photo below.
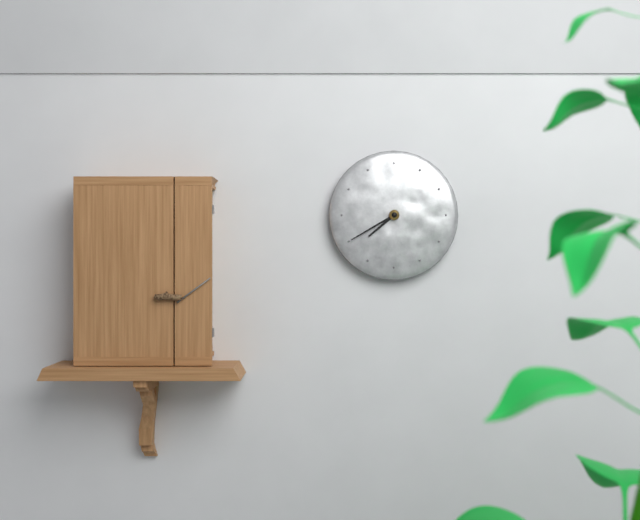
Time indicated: 7:40
